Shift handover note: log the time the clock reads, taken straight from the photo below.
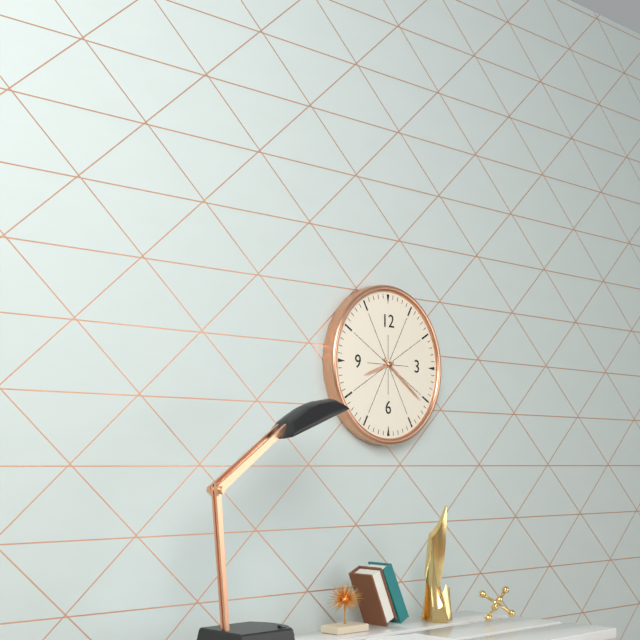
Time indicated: 8:21
